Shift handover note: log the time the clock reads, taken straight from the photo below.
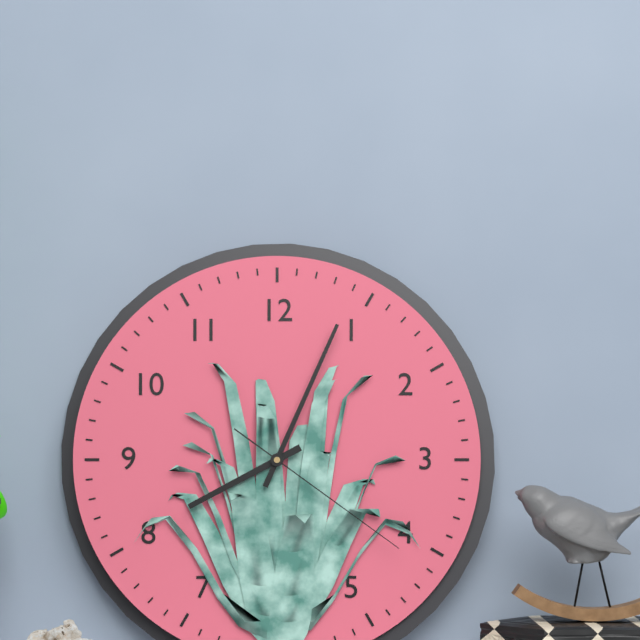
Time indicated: 8:04:21
